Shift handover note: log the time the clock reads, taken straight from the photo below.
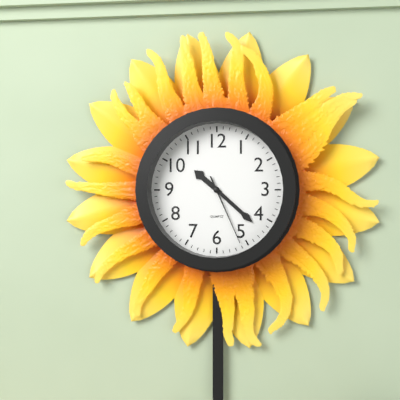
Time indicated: 10:22:26
